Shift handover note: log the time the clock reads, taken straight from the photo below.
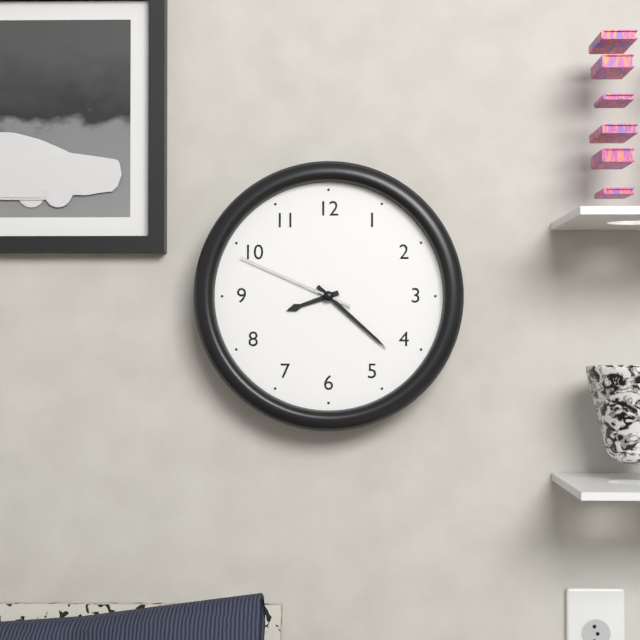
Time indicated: 8:22:49
